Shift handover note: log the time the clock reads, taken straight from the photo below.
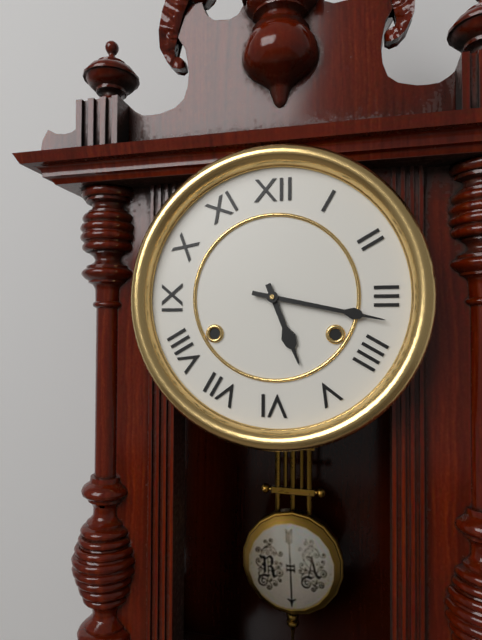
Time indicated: 5:17
